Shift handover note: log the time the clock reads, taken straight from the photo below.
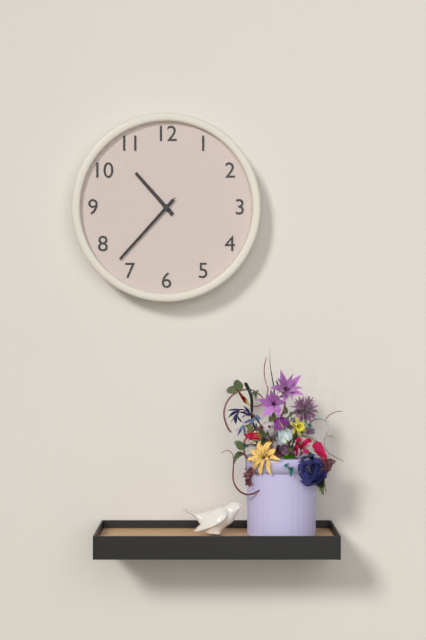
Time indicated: 10:37:37
